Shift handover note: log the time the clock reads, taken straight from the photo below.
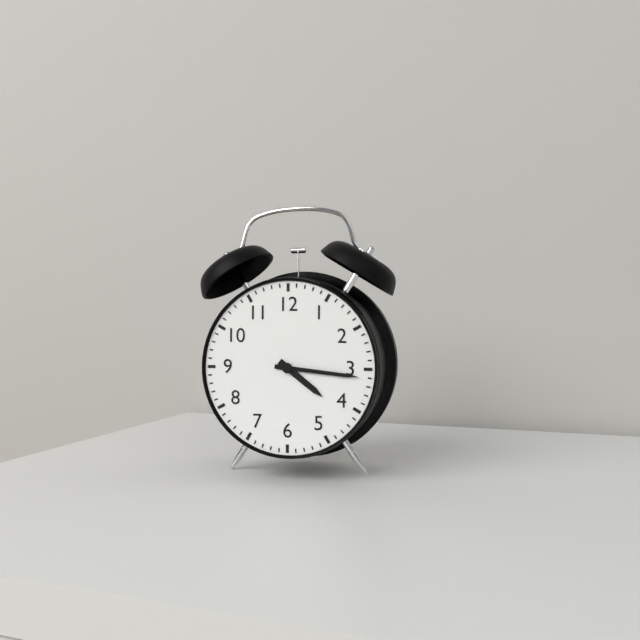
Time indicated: 4:16
